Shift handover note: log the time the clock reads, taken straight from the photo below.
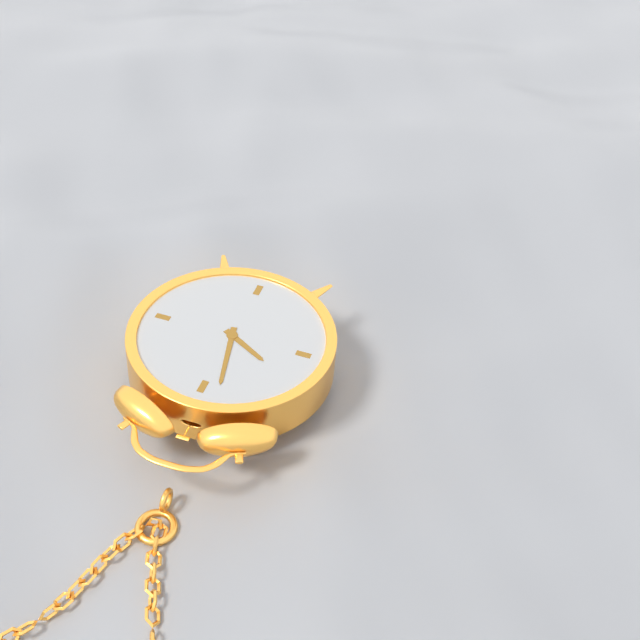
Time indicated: 9:58
